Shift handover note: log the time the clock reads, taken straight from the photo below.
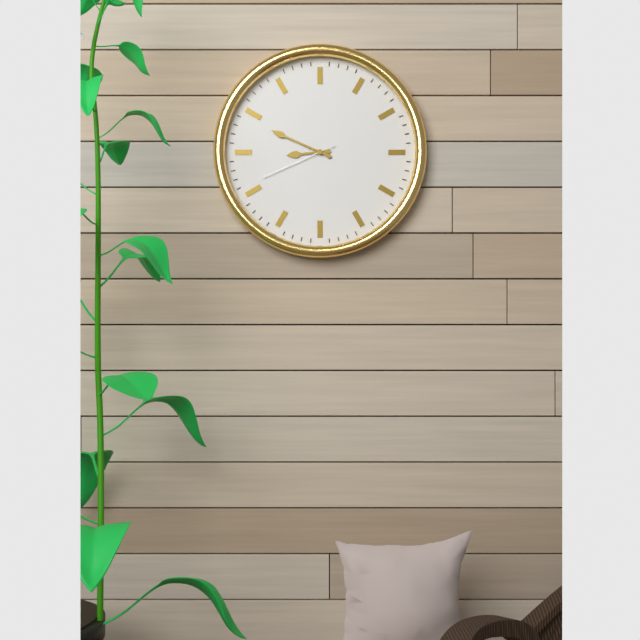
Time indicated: 8:49:41
